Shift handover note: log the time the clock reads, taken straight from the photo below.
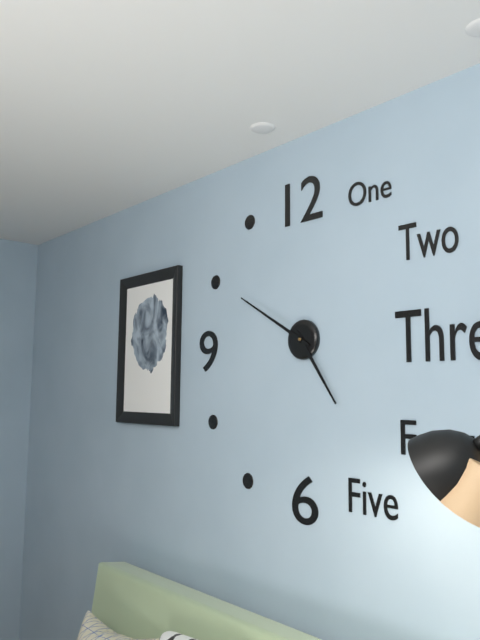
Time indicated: 4:50
